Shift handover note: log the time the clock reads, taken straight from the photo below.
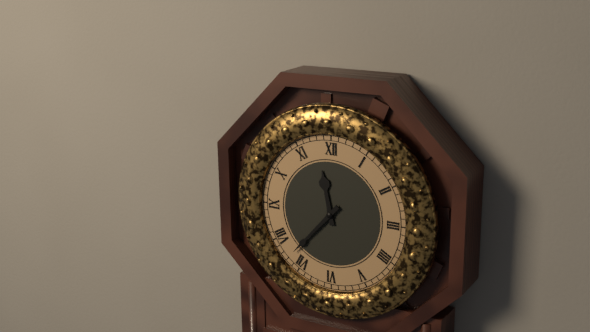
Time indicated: 11:37
